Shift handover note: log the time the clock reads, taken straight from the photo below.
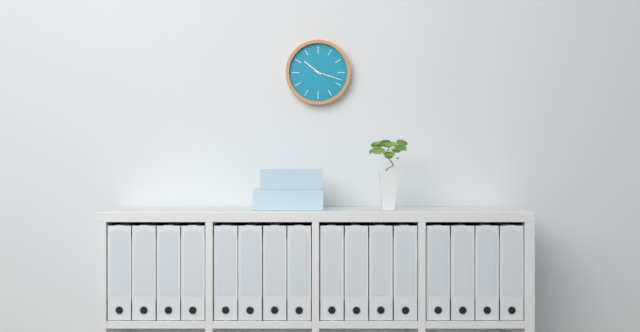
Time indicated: 10:18
